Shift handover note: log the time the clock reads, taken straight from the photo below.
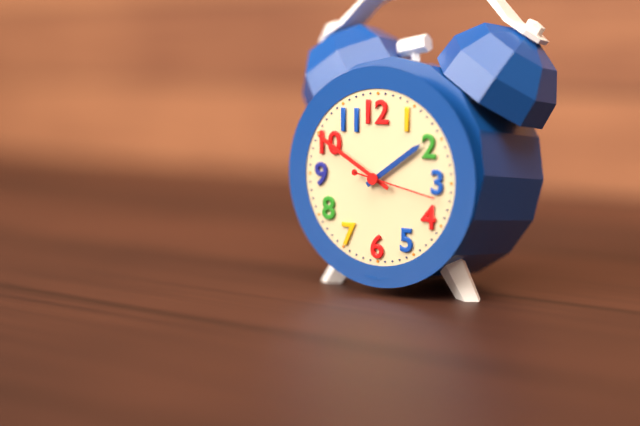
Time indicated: 1:50:17
